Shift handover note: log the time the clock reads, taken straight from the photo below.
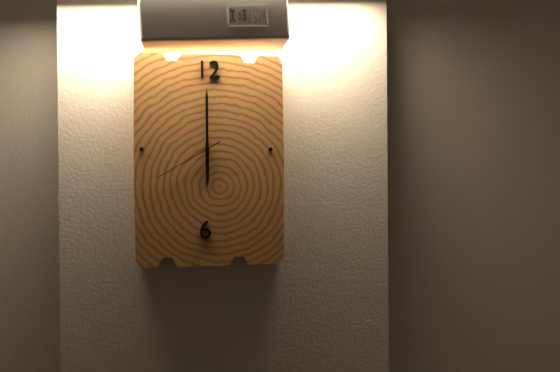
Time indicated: 6:00:40
